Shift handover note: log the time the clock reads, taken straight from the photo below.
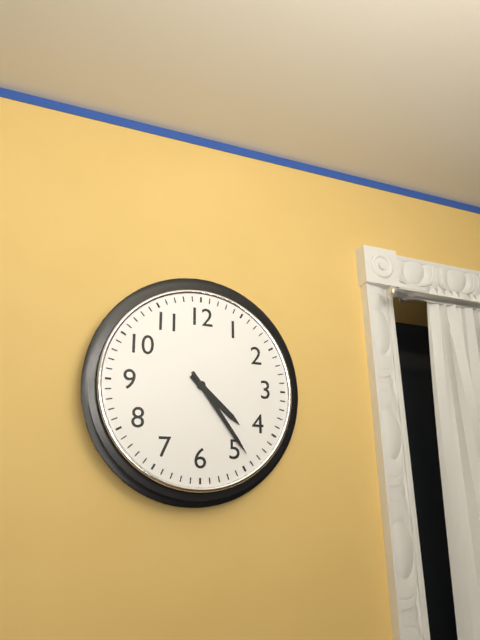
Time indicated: 4:24
